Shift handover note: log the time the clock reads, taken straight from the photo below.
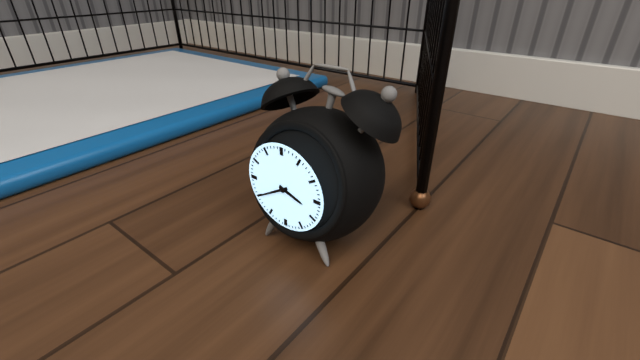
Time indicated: 3:40
